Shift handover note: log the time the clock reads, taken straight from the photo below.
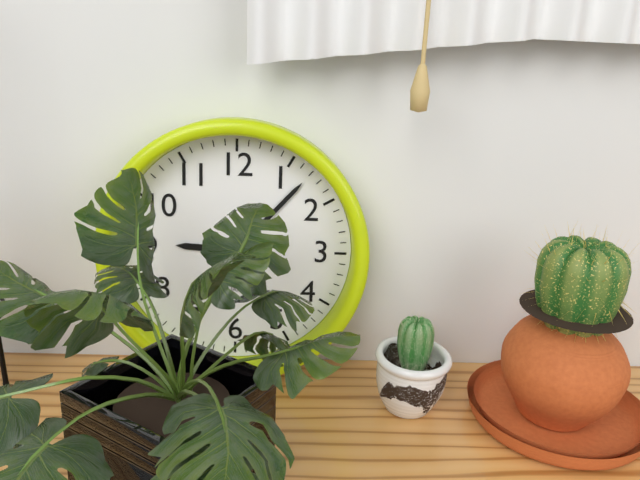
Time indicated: 9:07
